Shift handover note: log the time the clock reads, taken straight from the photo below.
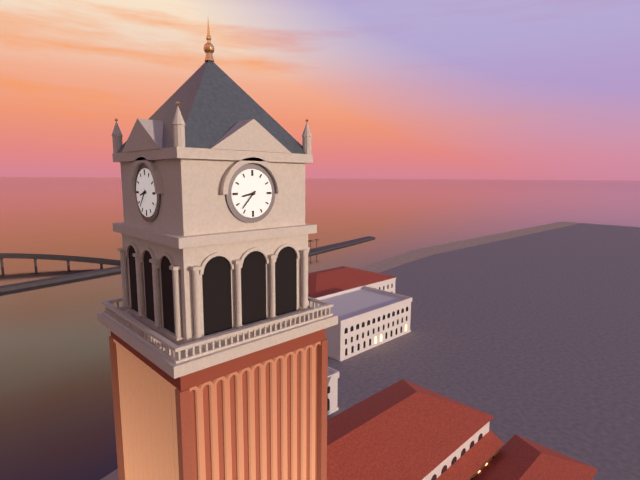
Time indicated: 8:37
